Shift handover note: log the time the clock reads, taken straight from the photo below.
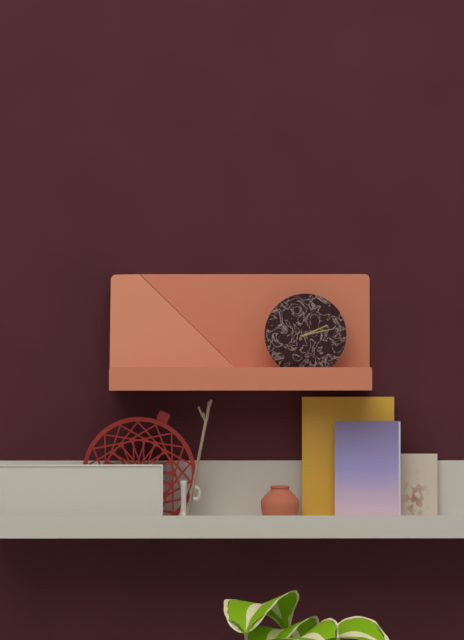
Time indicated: 2:13
